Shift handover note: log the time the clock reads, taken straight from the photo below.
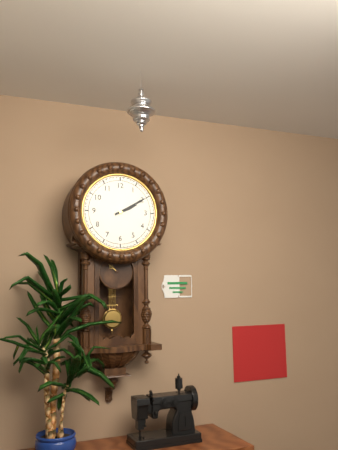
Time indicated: 2:10
